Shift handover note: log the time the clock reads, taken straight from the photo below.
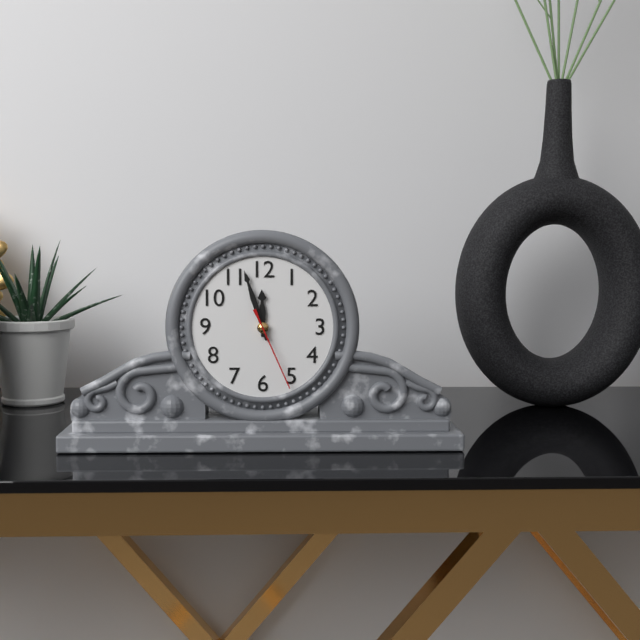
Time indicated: 11:57:26
